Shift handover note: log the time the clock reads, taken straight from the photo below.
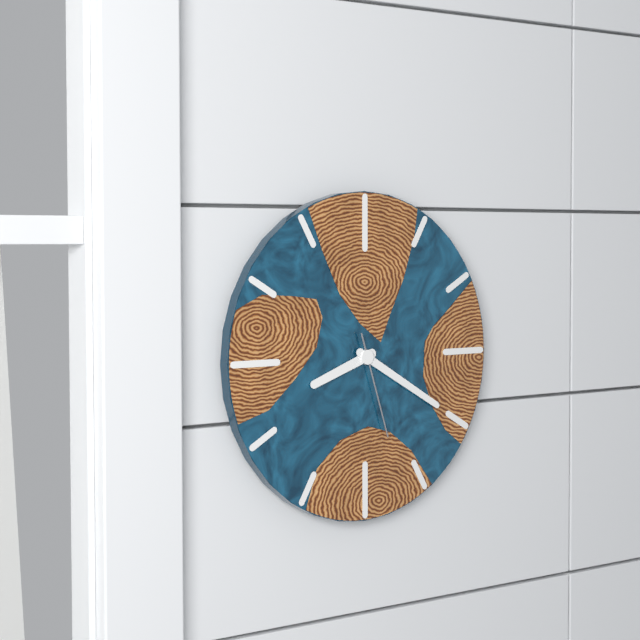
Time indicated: 8:20:27
